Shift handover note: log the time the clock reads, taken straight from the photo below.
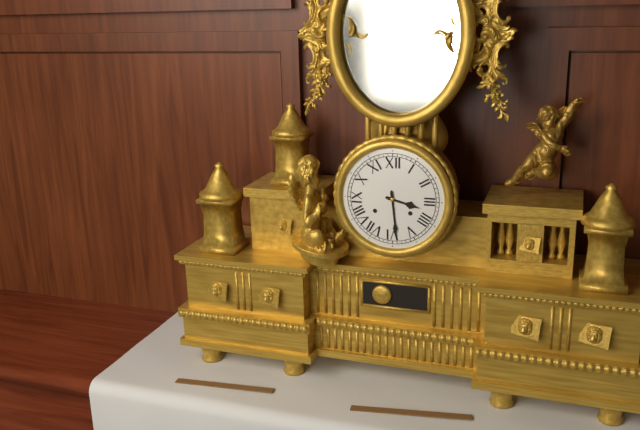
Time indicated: 3:29
